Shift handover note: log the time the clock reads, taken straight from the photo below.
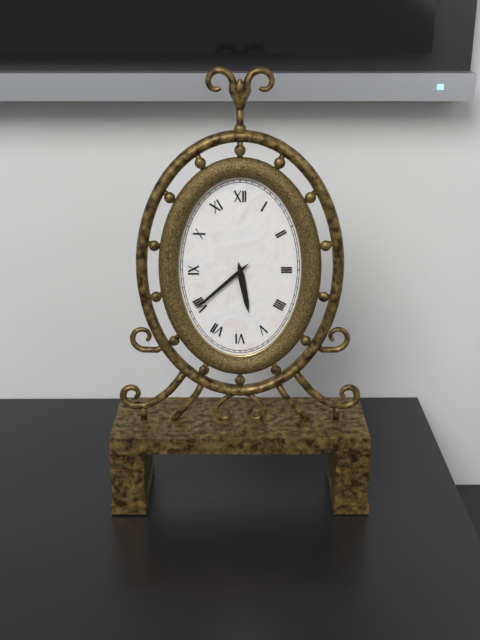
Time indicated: 5:38
